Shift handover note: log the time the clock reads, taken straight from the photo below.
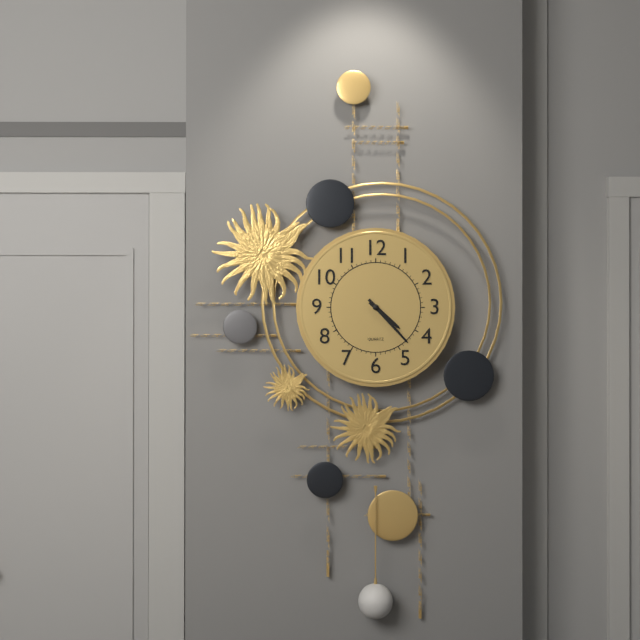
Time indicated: 4:23
